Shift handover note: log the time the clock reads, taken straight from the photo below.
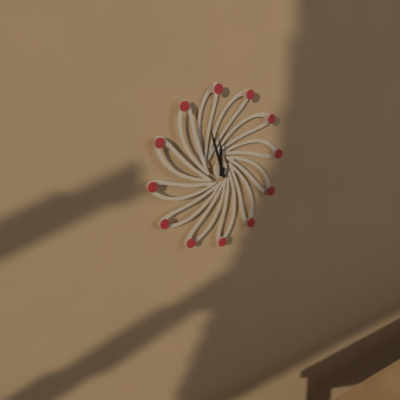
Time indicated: 11:57
